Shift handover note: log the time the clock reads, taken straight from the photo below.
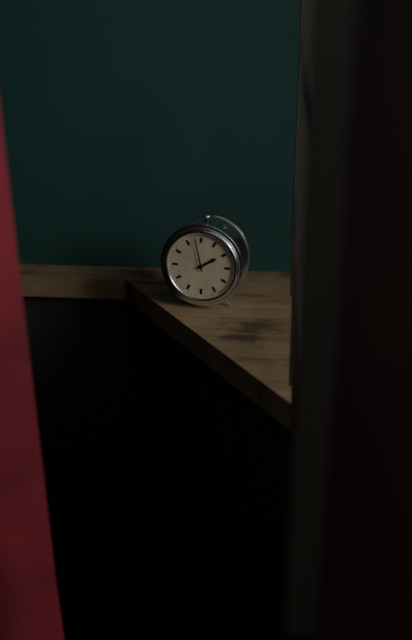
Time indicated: 1:58
